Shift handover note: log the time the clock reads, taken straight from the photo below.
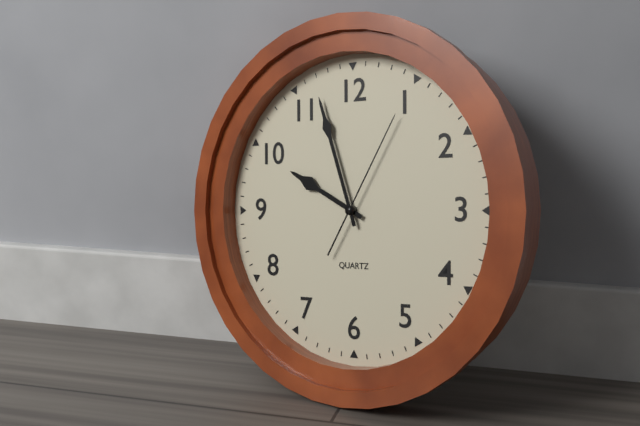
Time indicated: 9:57:05
